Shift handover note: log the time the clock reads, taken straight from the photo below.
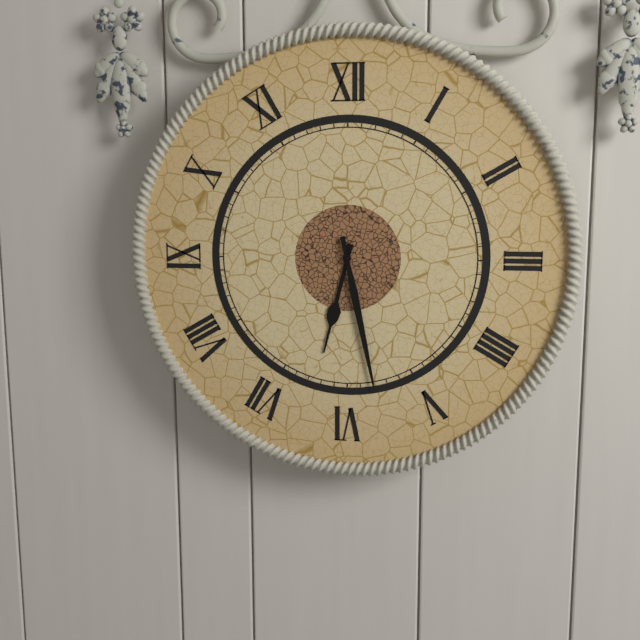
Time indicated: 6:28
